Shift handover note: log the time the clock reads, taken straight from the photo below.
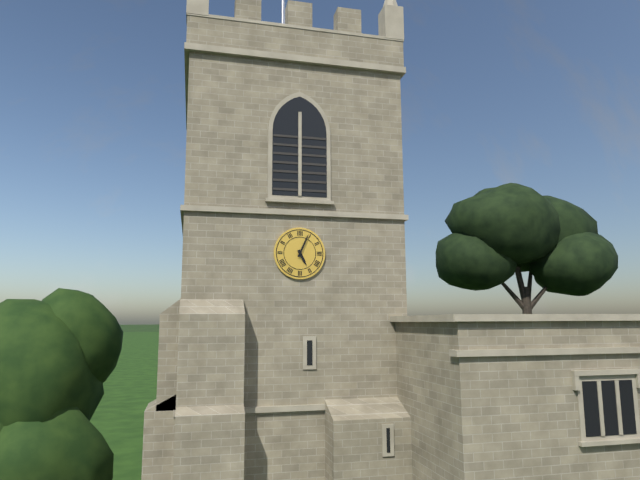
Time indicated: 5:04
